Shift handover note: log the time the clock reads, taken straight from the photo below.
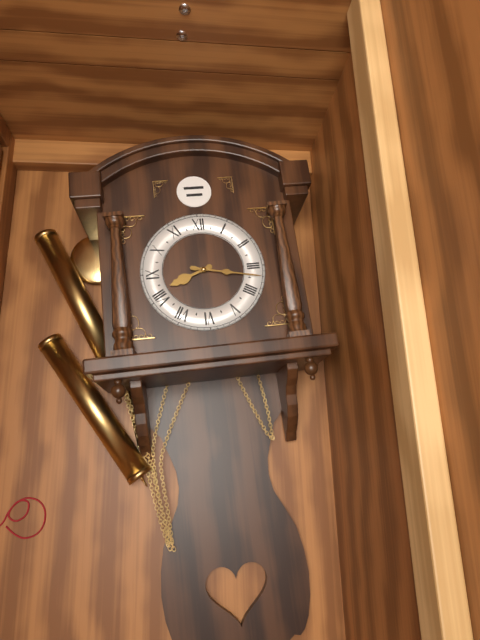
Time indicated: 8:17
